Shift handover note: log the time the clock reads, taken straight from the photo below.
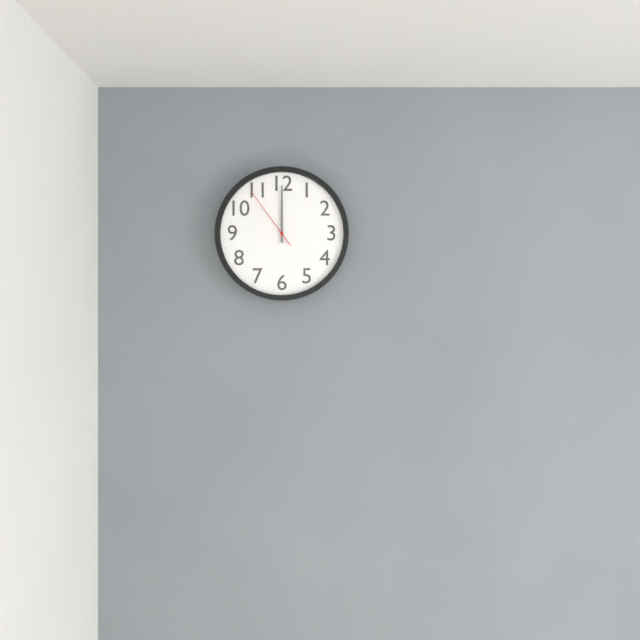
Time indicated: 12:00:54
